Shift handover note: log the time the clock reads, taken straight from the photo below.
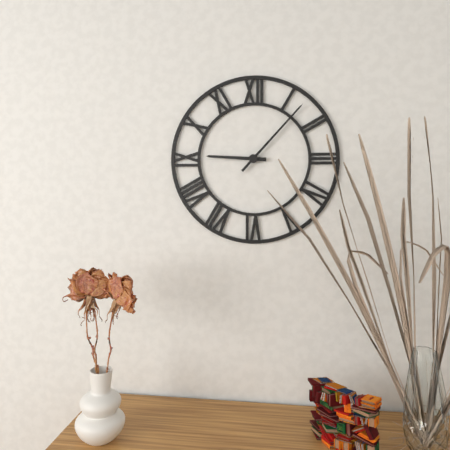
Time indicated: 9:07
